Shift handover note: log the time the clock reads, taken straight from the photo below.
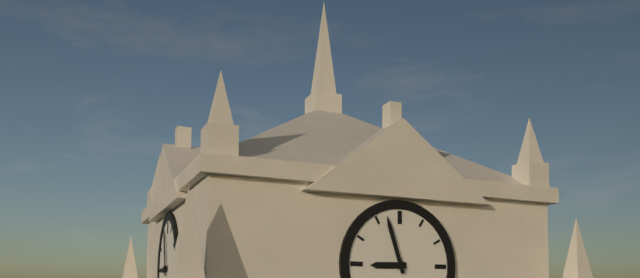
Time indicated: 8:57
